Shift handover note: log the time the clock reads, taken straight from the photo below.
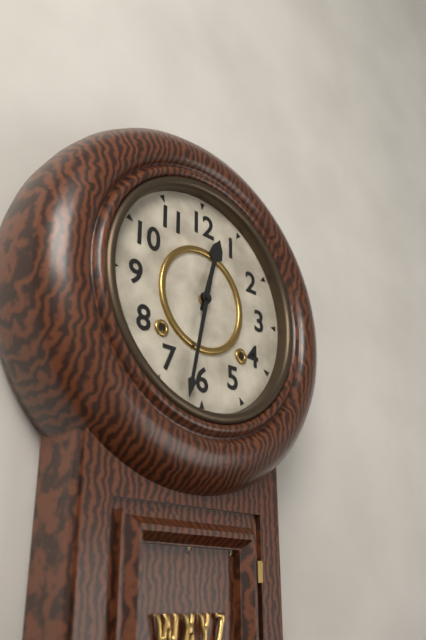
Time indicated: 12:32
